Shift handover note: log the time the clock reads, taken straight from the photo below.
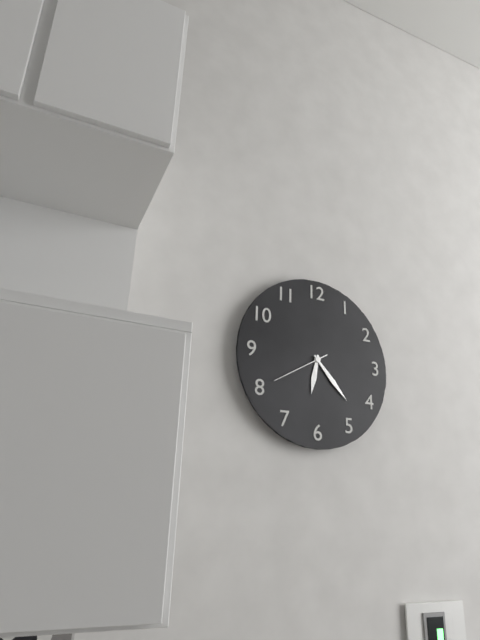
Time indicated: 6:23:40
